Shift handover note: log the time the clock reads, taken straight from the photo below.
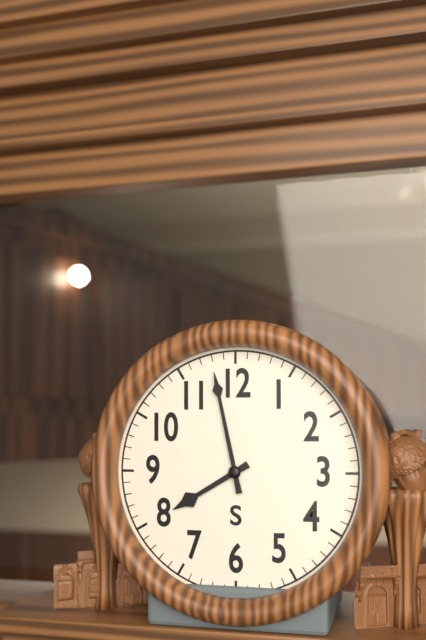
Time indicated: 7:58
